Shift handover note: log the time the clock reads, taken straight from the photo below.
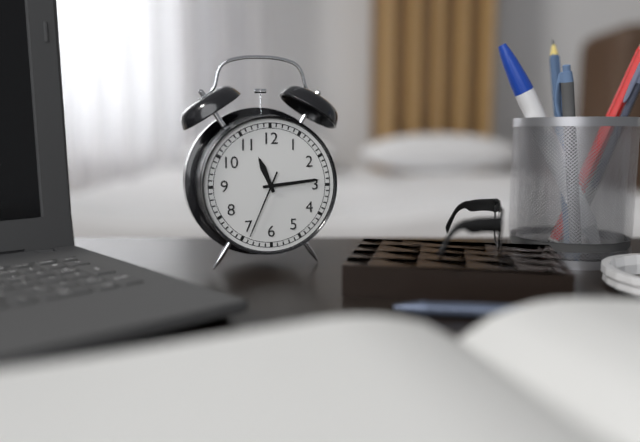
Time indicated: 11:14:34
